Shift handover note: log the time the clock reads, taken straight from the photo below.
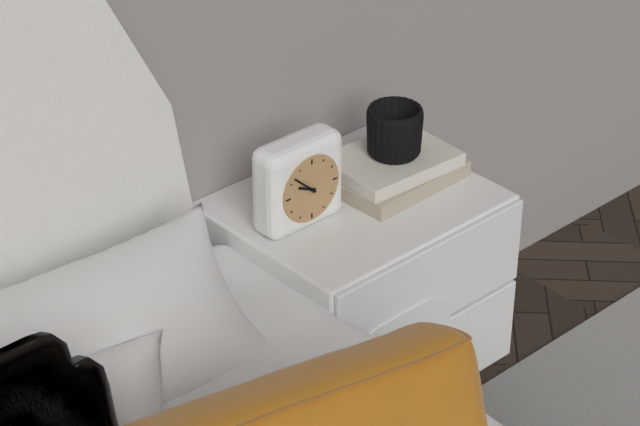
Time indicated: 9:52
